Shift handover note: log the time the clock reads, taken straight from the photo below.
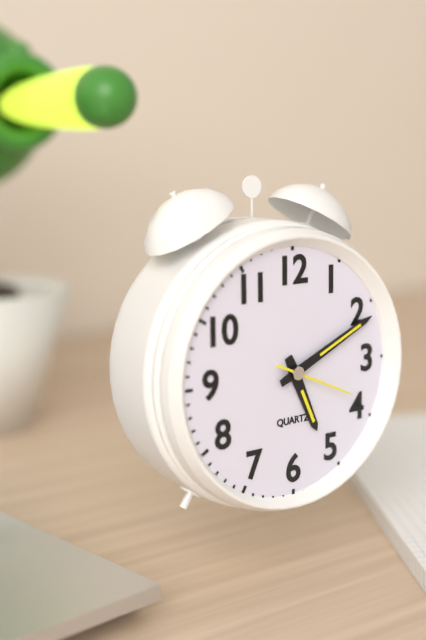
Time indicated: 5:11:19
